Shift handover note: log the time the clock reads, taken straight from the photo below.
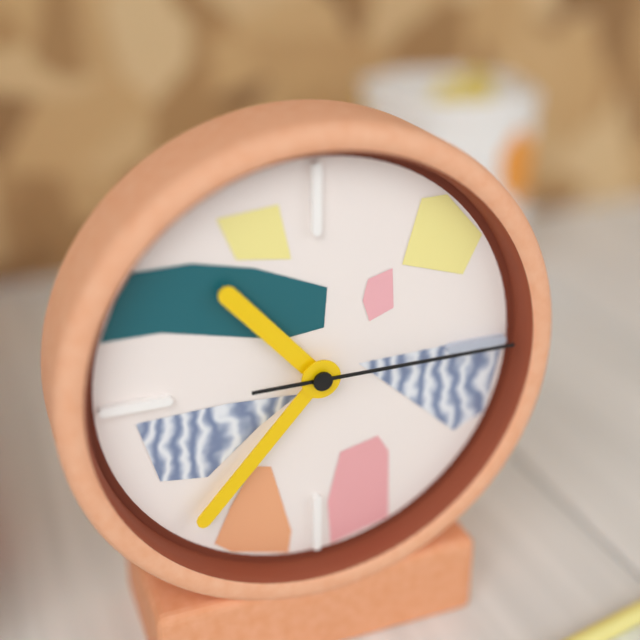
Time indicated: 10:37:15
